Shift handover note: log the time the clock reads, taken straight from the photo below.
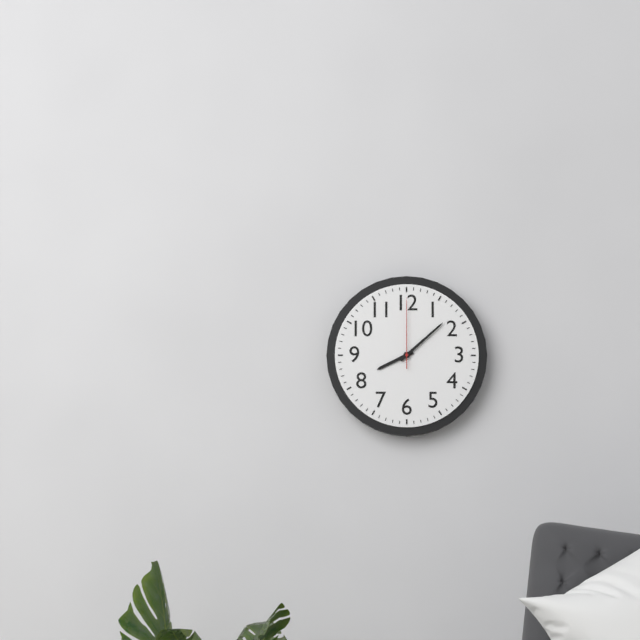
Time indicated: 8:08:00
